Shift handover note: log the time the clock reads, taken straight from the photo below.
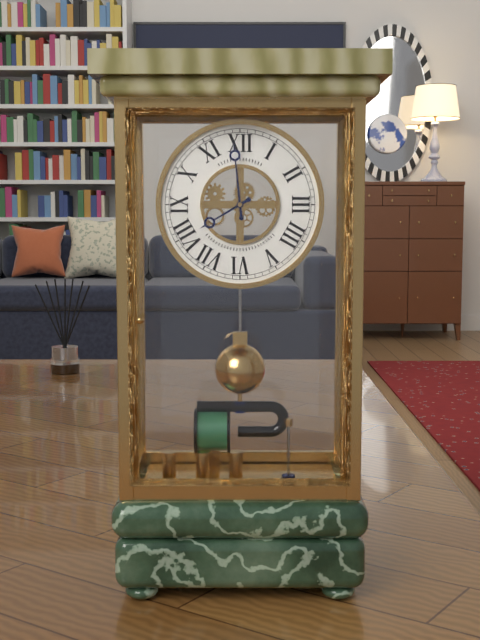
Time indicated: 7:59
